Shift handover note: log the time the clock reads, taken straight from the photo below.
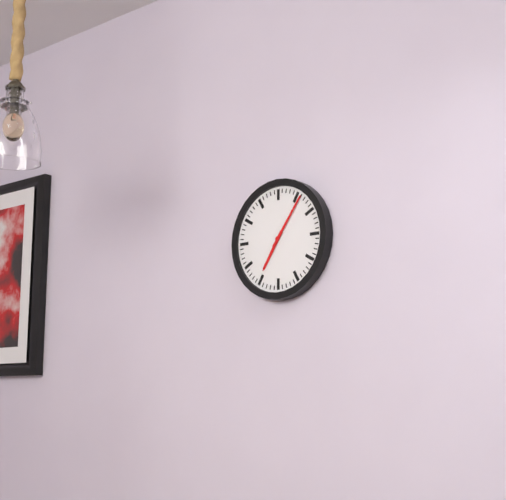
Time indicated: 7:06
